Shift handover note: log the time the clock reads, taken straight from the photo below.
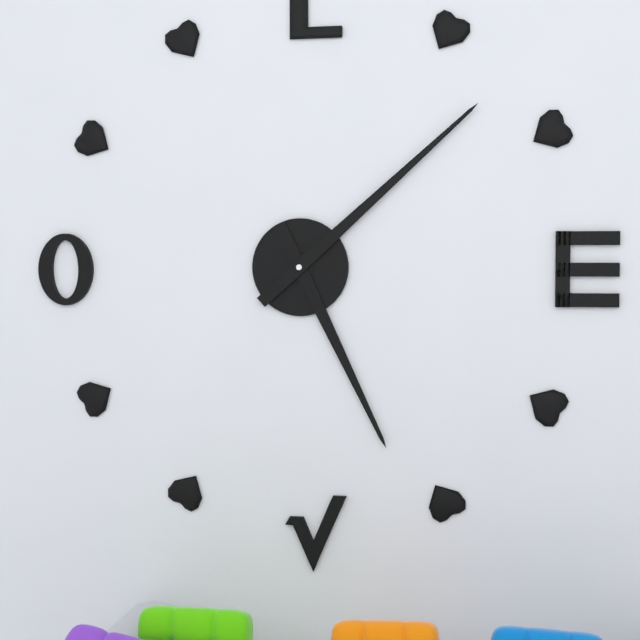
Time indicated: 5:08
